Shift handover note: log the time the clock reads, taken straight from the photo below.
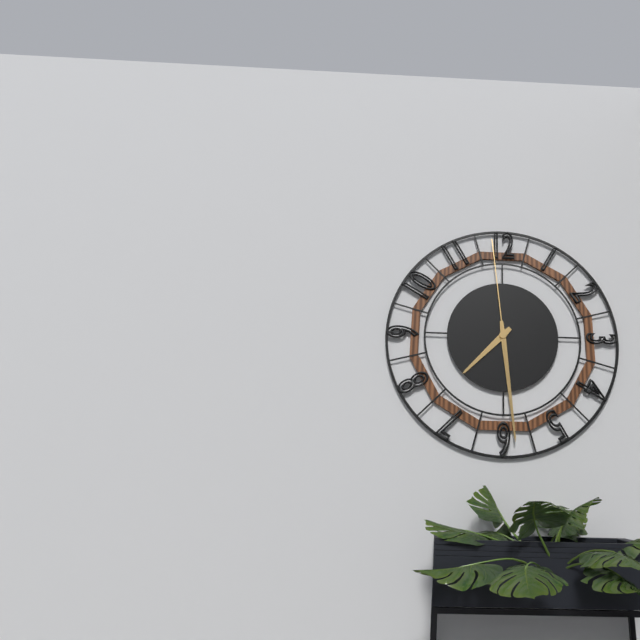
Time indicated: 7:29:59
